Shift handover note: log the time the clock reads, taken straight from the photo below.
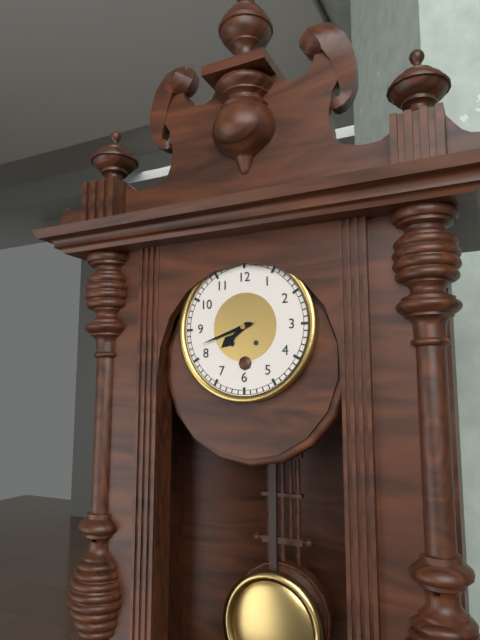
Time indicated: 7:42
